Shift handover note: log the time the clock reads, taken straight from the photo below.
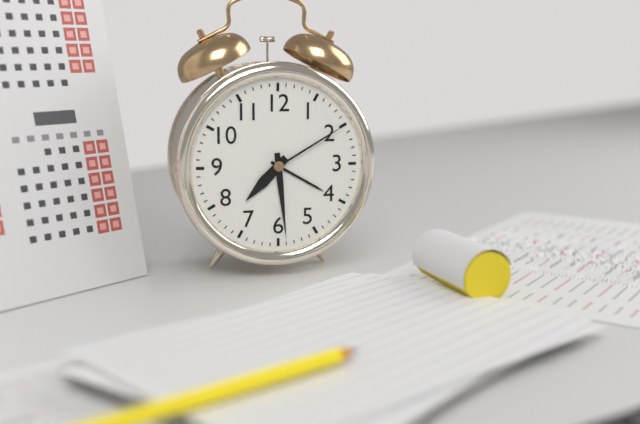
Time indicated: 7:29:10
